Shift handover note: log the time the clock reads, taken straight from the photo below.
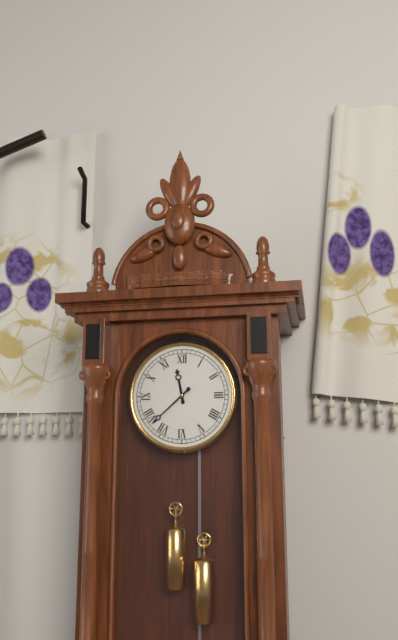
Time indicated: 11:38
